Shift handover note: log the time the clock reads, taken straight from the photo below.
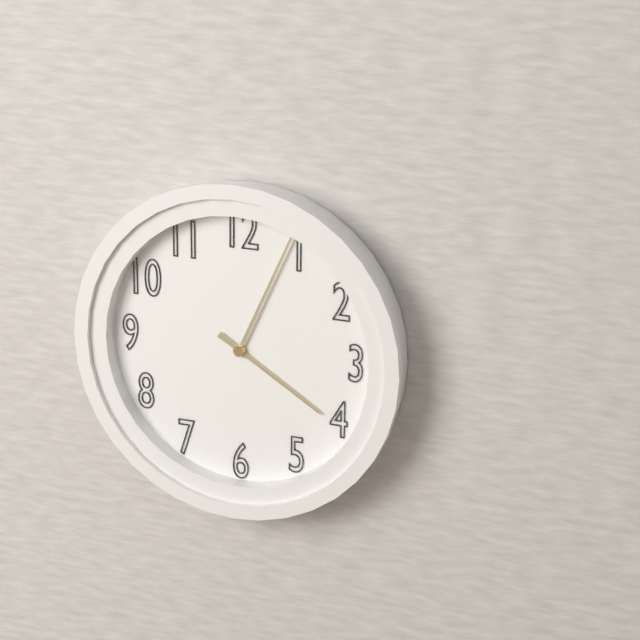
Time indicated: 4:04
